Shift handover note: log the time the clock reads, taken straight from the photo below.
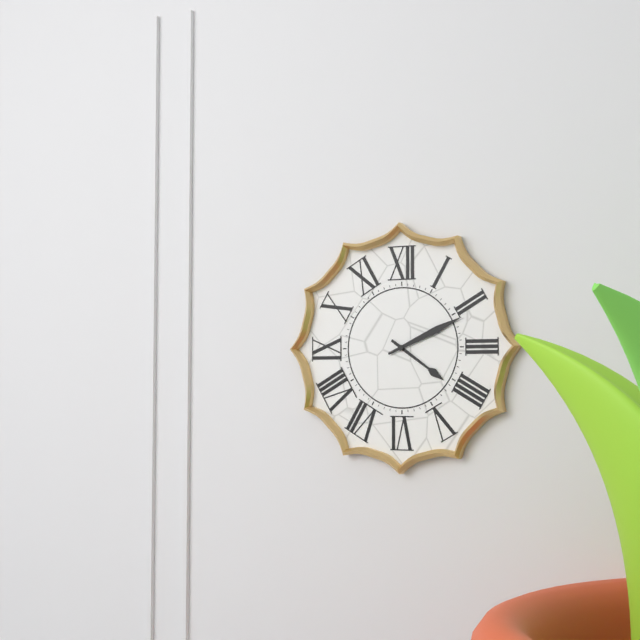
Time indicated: 4:11
